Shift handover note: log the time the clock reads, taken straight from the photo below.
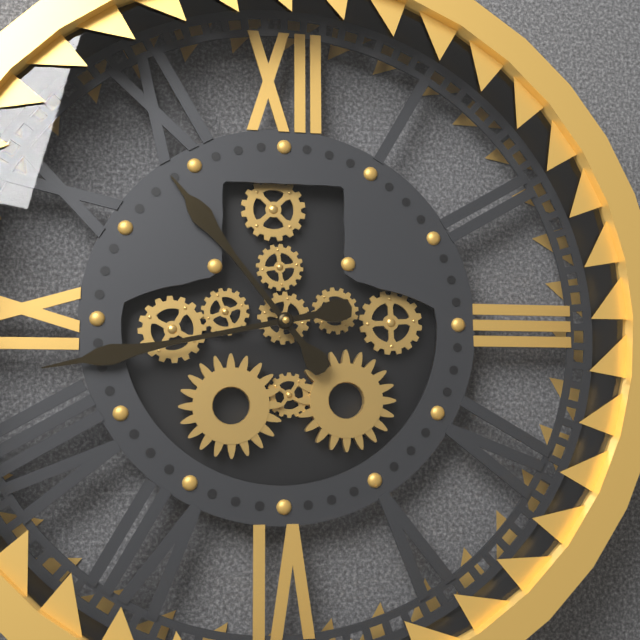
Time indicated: 10:43
